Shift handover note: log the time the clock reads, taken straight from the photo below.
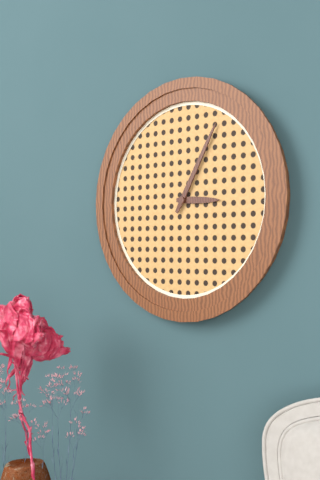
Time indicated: 3:05
